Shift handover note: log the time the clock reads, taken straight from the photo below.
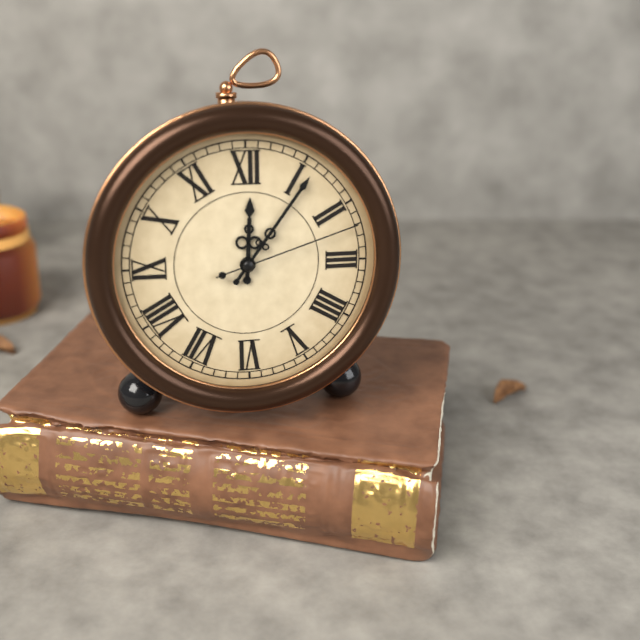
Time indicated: 12:06:12
